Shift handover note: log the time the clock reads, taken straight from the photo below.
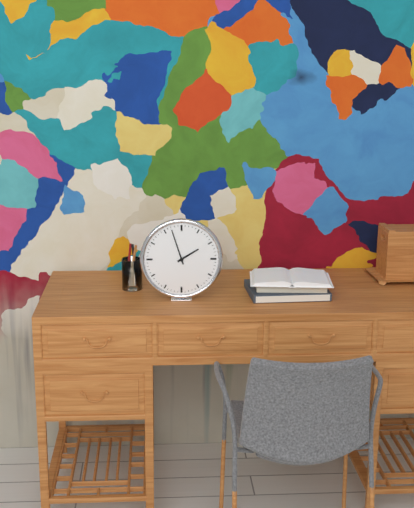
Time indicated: 1:57
